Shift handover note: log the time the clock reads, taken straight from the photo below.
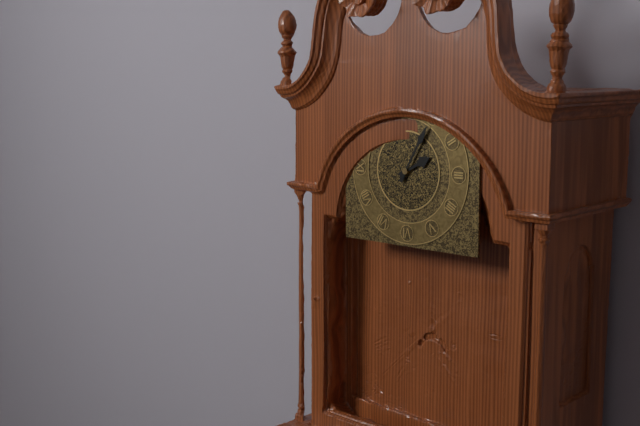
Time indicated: 2:05
